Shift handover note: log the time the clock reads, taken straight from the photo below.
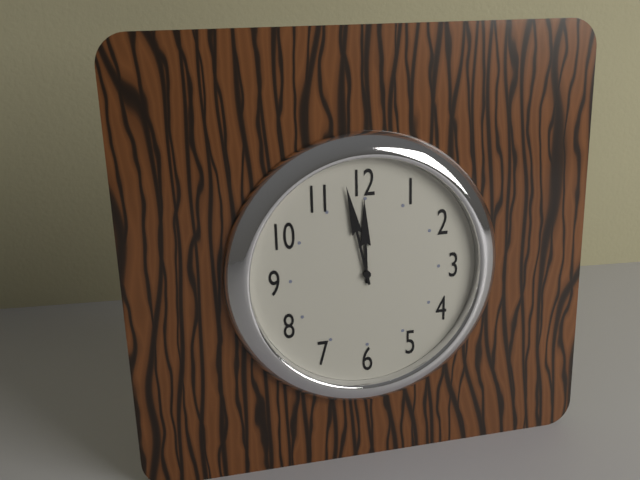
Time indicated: 11:58
